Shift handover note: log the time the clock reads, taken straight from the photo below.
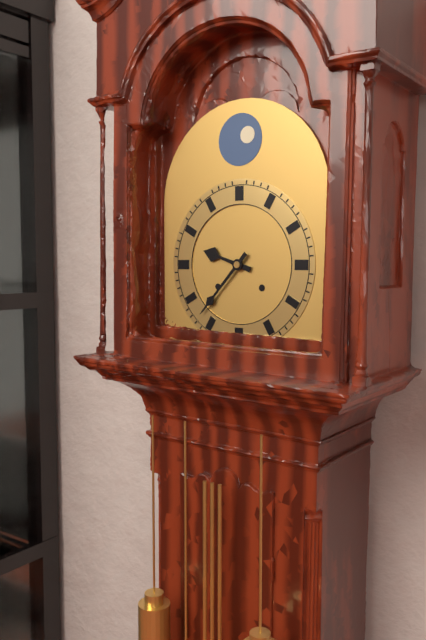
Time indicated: 9:37
